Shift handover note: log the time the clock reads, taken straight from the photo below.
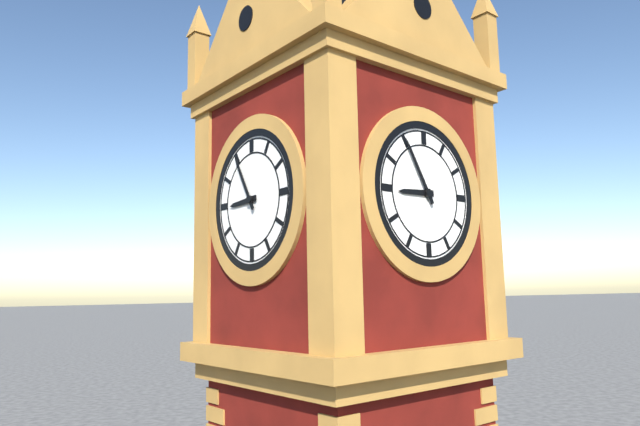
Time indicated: 8:55
